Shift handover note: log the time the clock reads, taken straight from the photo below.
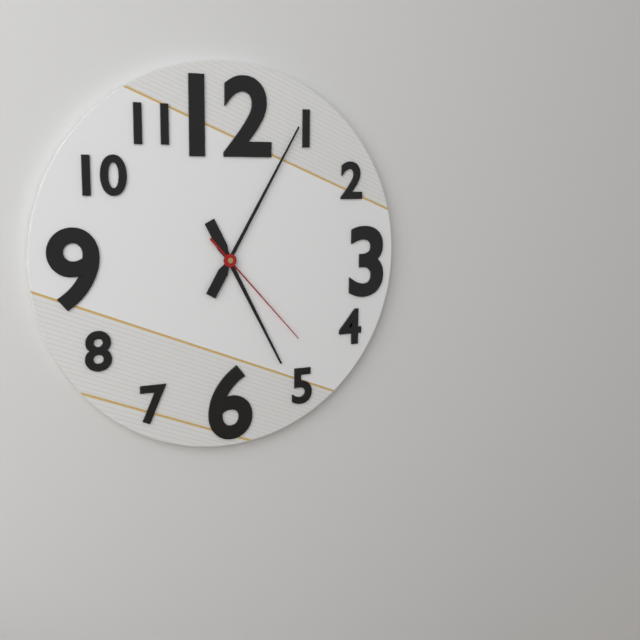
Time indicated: 5:05:23
